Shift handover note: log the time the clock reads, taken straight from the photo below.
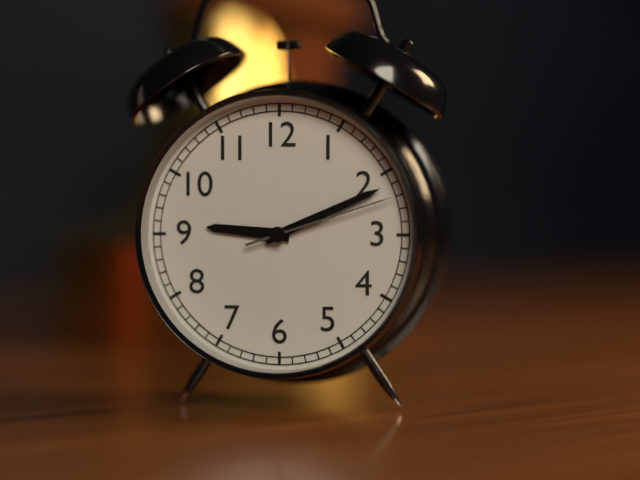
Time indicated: 9:11:12
